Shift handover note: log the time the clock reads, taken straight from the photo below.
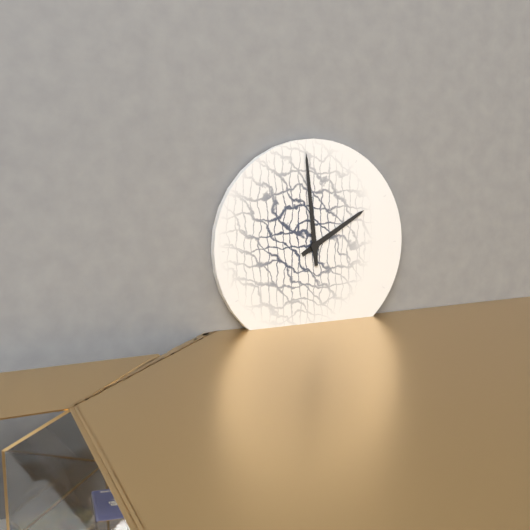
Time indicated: 1:59
